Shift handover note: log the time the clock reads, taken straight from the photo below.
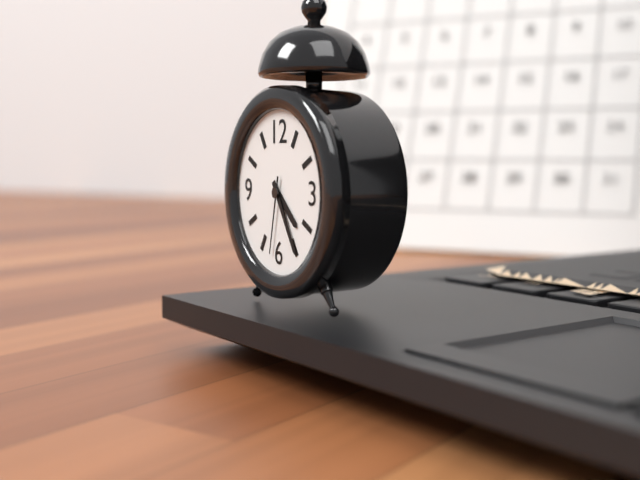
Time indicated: 4:25:32
